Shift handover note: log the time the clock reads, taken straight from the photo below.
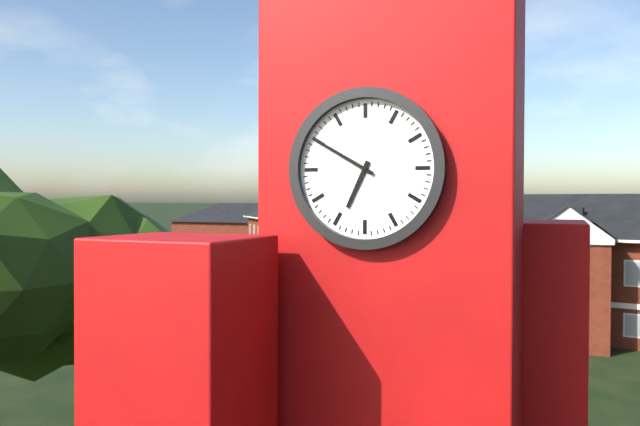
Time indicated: 6:50
